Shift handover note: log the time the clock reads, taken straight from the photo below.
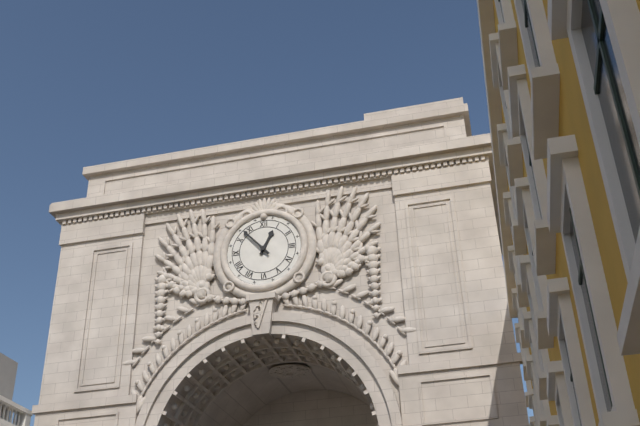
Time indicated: 12:53
